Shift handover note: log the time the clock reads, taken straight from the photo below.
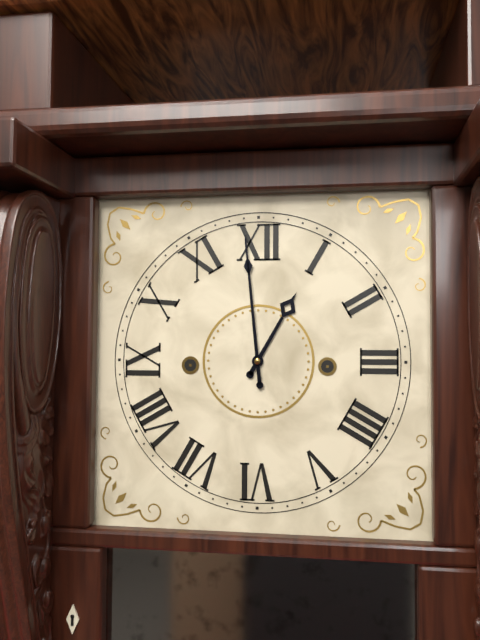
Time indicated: 12:59
